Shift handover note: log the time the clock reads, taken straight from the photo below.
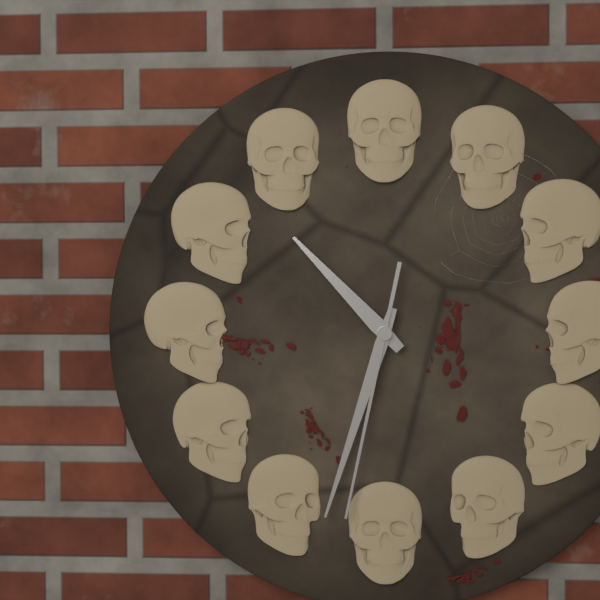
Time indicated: 10:33:32
